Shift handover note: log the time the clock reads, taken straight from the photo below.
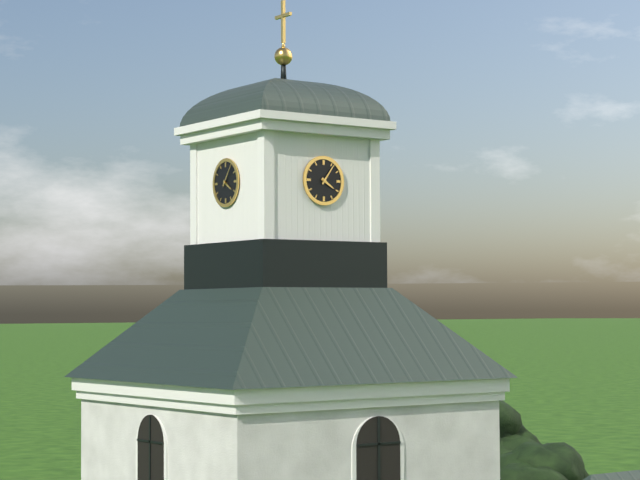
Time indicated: 4:06
